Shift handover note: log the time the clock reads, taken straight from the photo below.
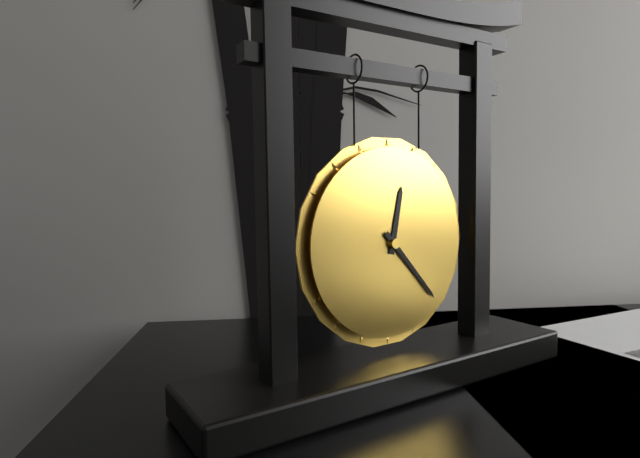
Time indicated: 12:23
